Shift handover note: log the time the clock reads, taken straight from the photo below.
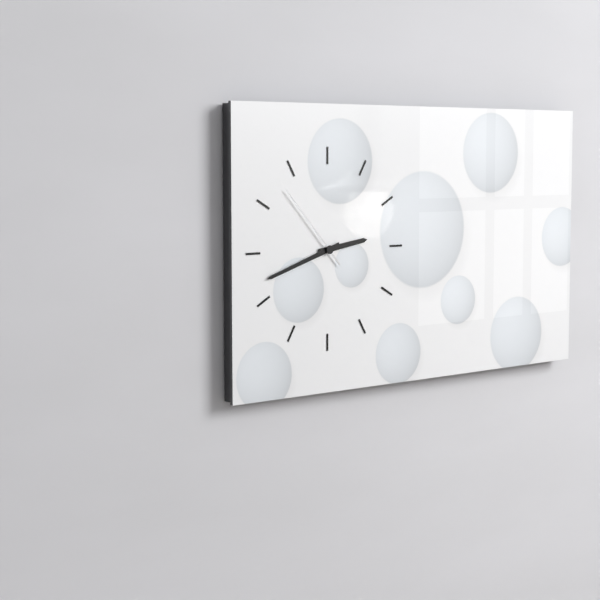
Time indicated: 2:42:53
